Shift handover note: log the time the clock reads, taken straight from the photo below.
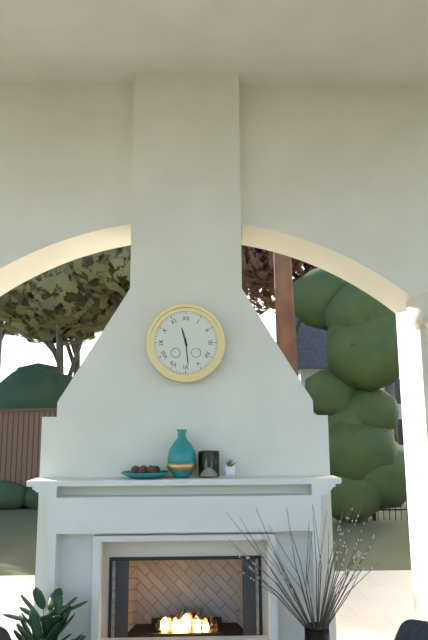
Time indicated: 11:29
